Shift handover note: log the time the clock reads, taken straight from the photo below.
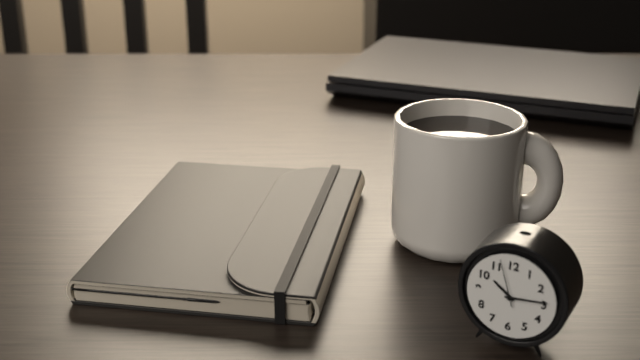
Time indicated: 10:14:57
